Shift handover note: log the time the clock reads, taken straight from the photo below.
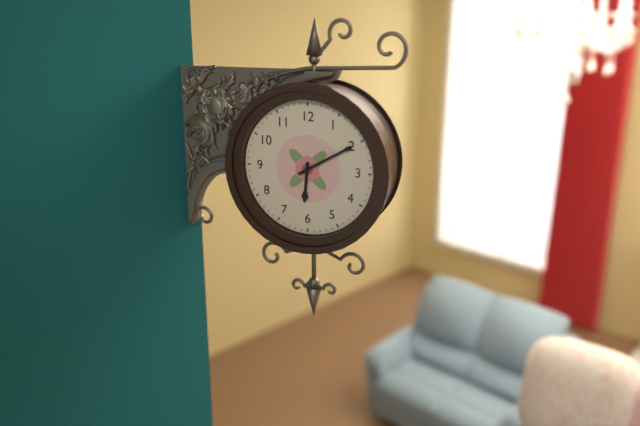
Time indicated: 6:10
